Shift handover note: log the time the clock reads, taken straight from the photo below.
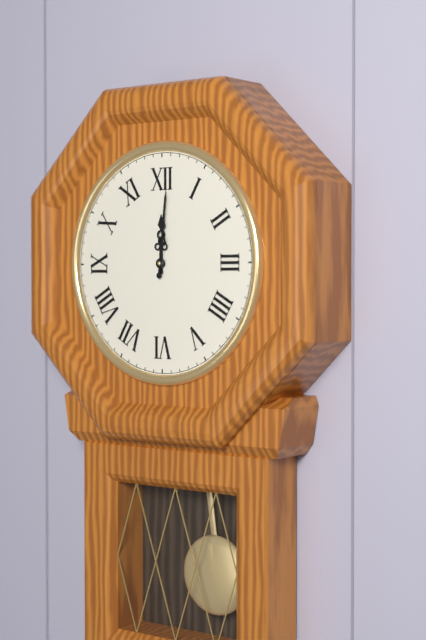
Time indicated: 12:01
